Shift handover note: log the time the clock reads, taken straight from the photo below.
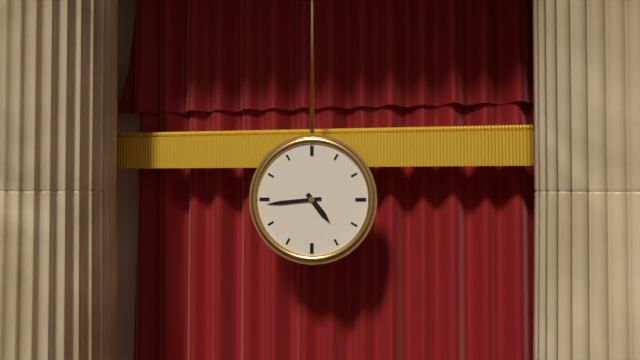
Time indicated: 4:44
